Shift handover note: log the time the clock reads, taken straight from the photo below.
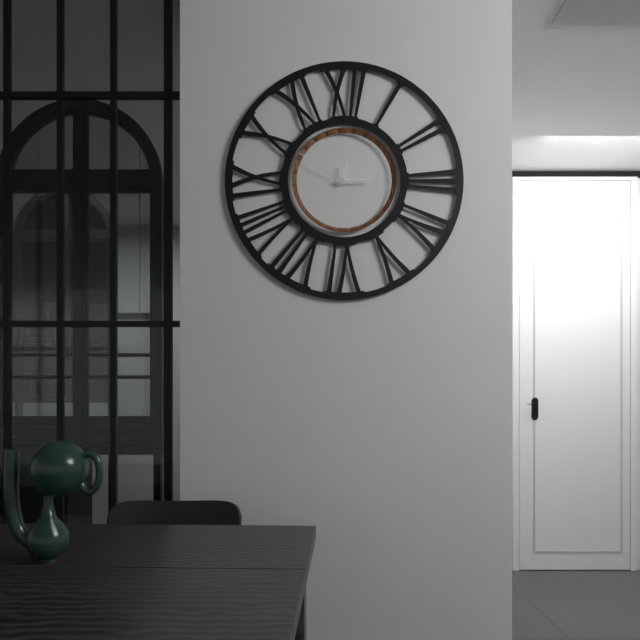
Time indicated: 12:15:50
